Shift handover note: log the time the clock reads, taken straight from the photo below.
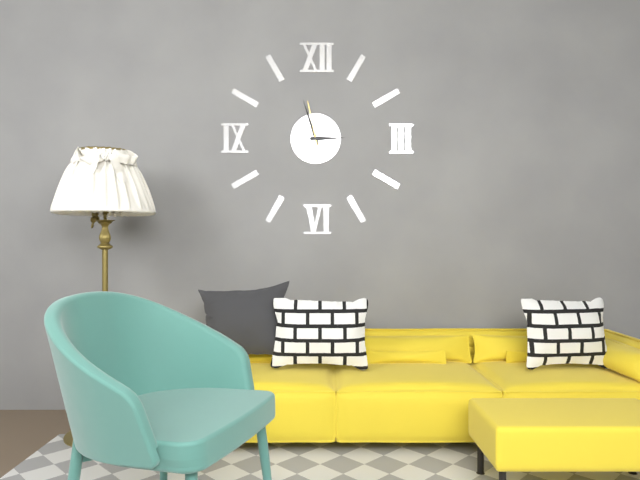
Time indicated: 2:57
